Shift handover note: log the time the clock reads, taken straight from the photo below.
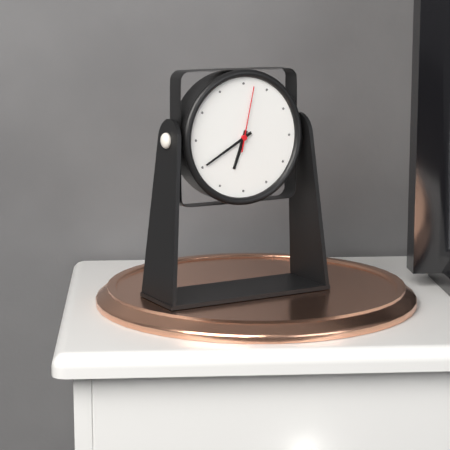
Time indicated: 6:40:02
